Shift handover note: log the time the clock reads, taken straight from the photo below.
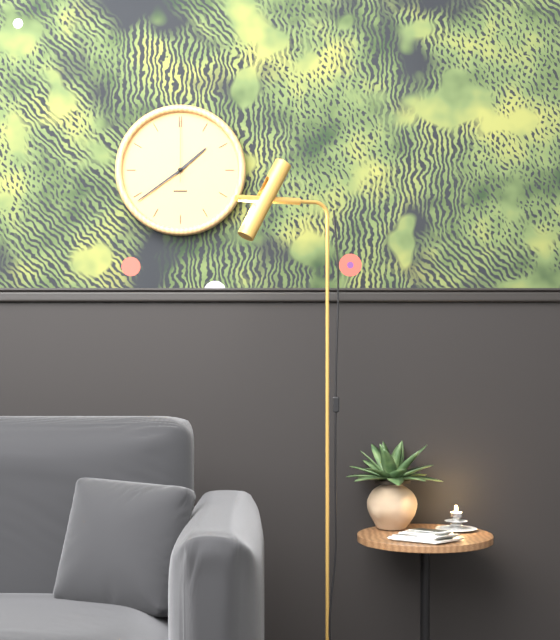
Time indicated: 1:39:00
